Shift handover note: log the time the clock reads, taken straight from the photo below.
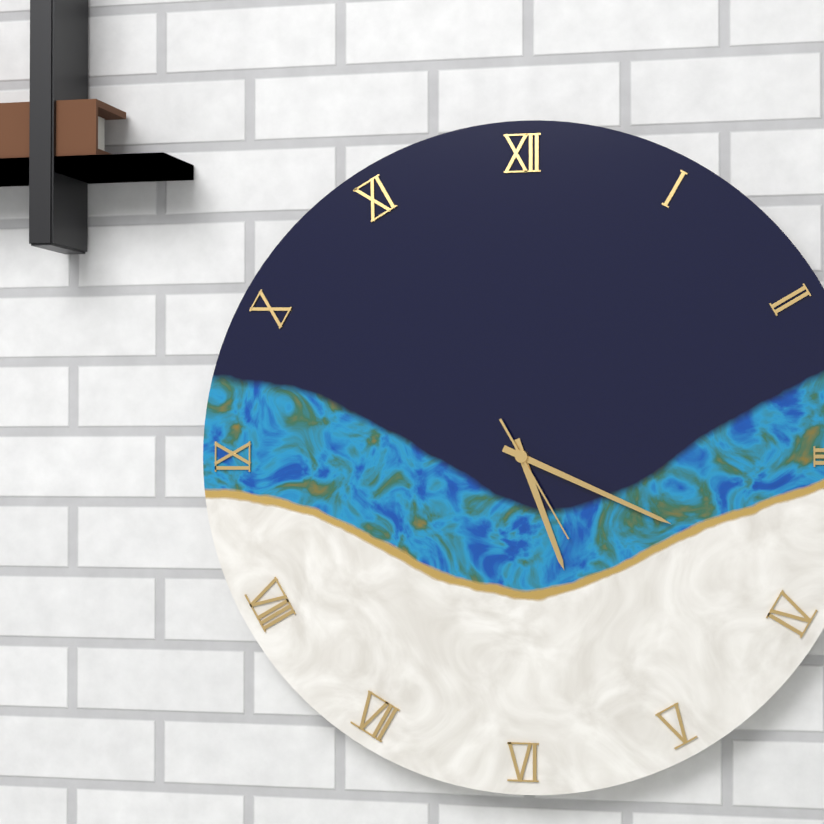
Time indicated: 5:19:25
